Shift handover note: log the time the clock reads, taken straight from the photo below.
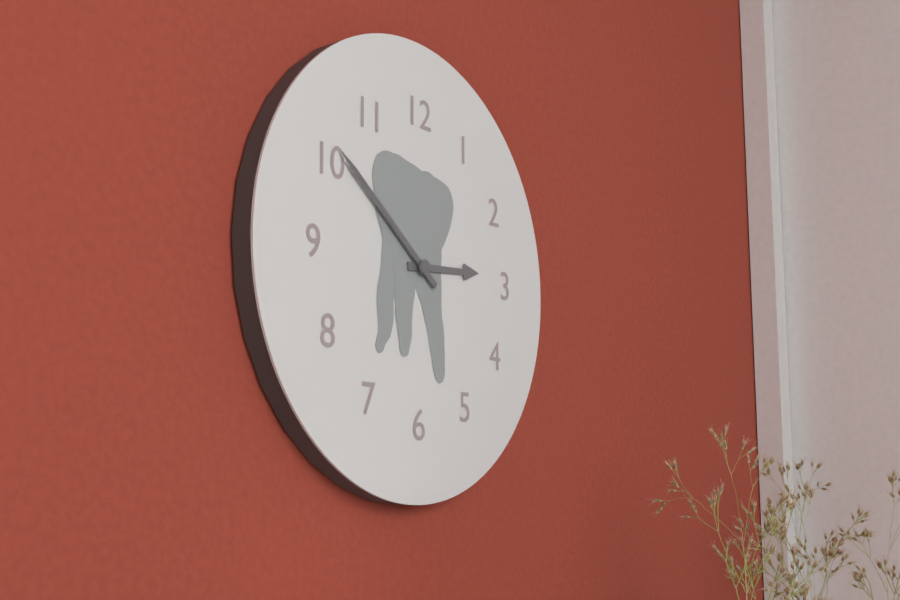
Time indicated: 2:51
